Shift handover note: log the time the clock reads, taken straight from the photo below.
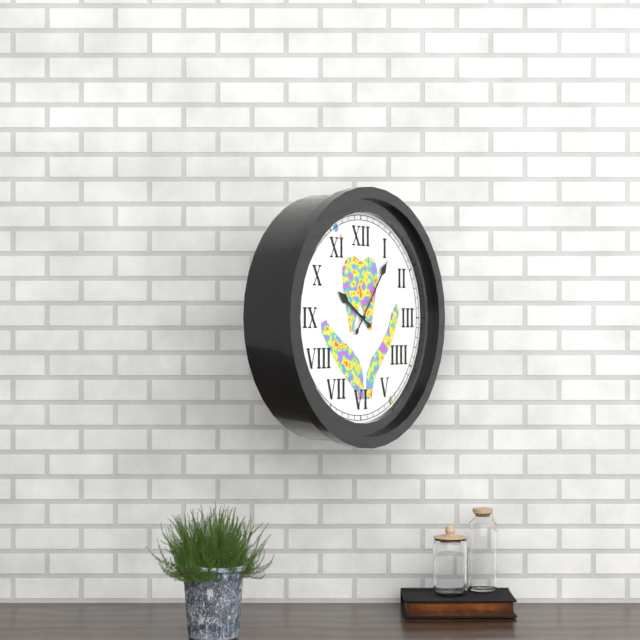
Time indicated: 10:06
